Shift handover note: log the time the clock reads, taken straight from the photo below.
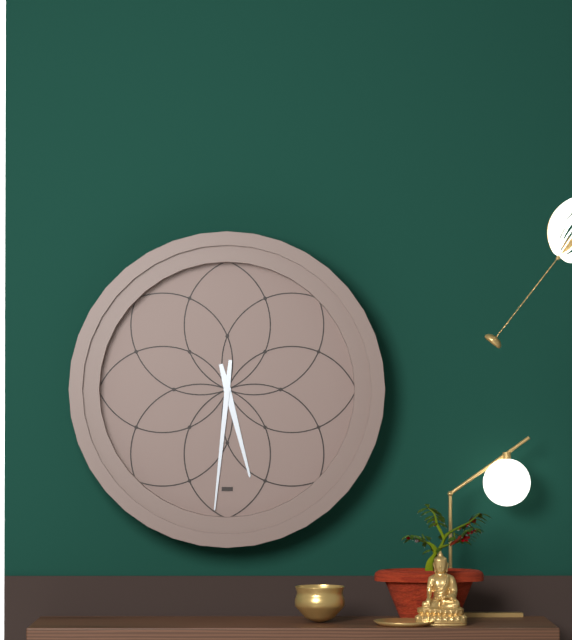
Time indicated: 5:31
